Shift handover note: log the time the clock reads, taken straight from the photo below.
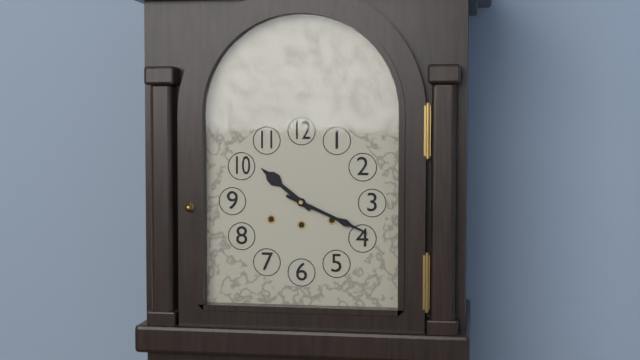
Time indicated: 10:19
